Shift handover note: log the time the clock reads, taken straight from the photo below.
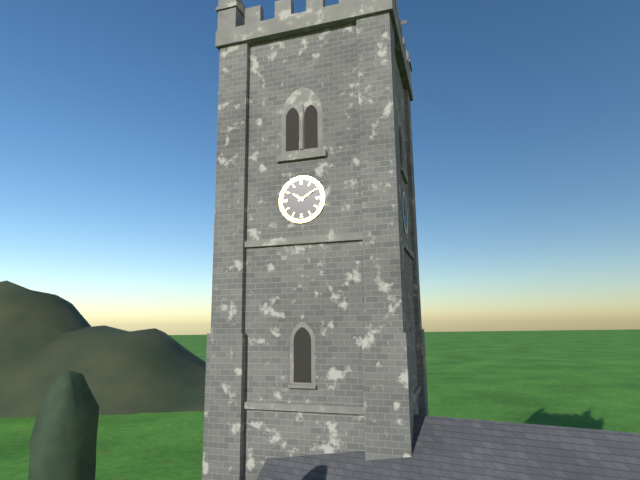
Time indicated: 10:10
